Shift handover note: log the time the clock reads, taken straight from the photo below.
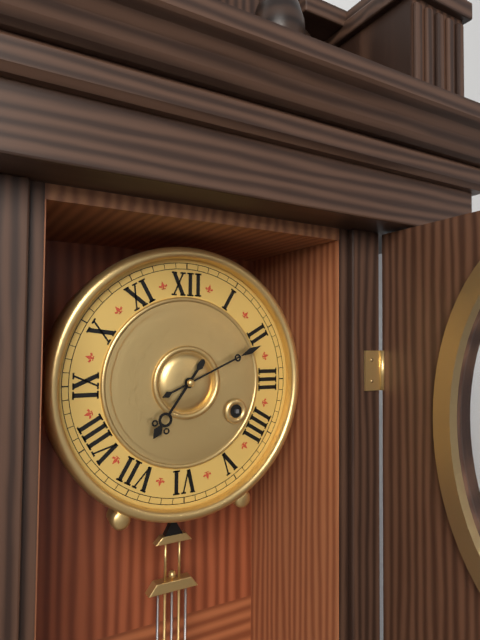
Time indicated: 7:11
